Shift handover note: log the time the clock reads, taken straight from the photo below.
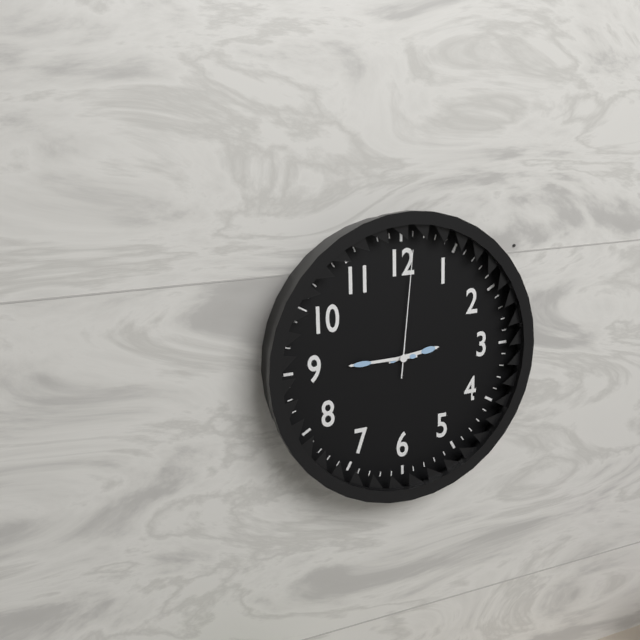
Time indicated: 2:45:01
